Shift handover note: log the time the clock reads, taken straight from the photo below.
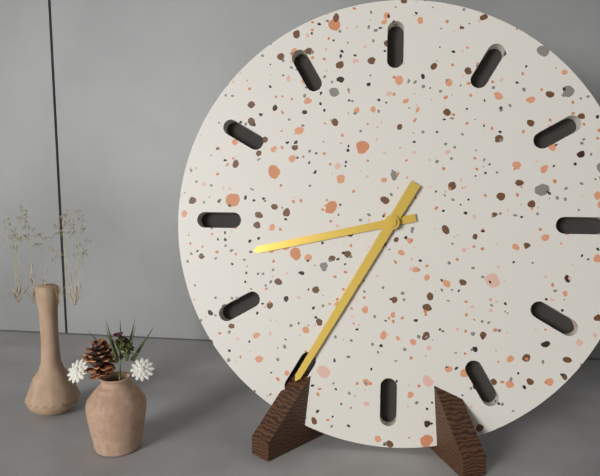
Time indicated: 8:35
